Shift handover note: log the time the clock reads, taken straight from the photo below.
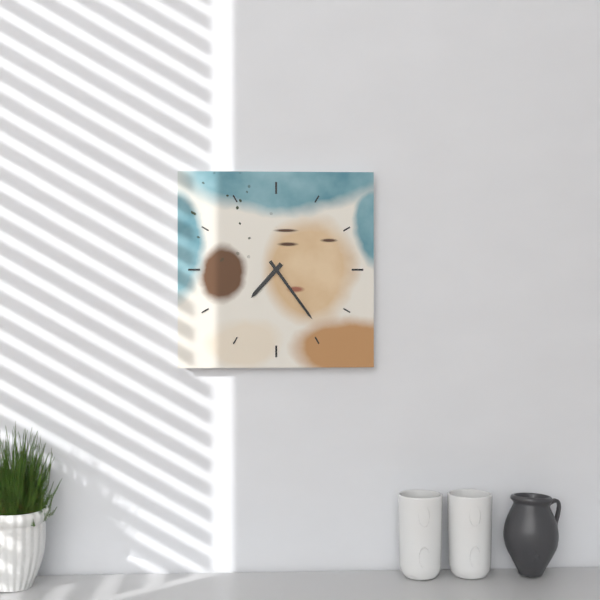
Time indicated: 7:24
